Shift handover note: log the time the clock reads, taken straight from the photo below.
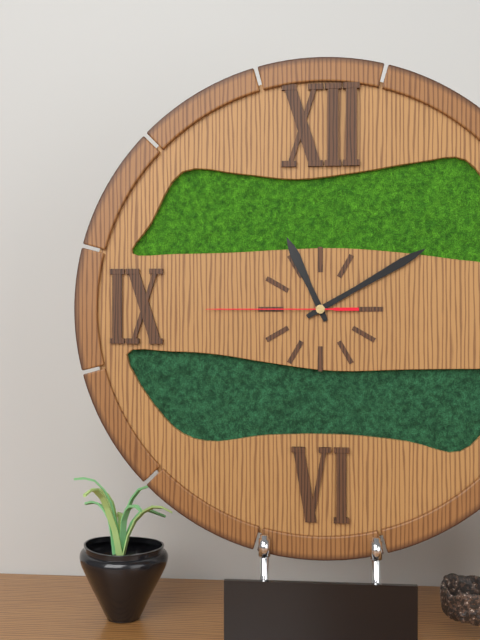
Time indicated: 11:10:45
